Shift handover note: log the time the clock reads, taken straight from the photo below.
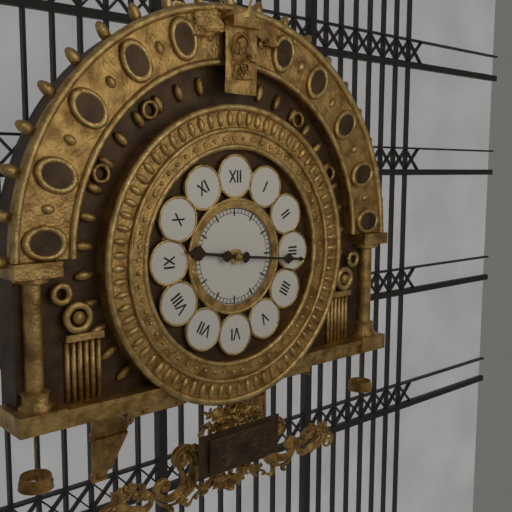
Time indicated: 9:16
